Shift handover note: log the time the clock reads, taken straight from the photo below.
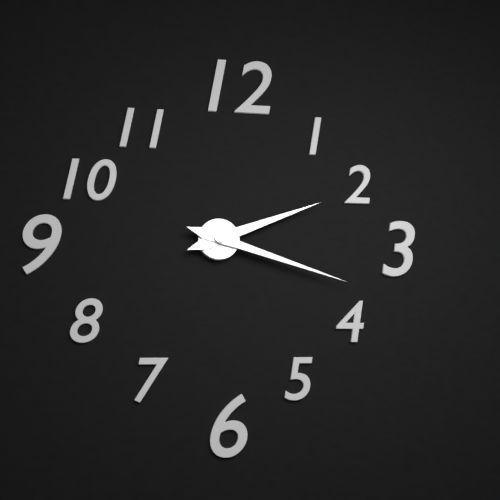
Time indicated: 2:18
